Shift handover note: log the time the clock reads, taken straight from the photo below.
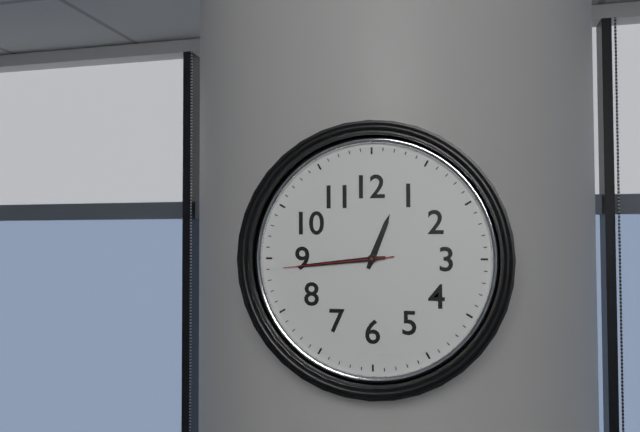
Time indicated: 12:44:44
